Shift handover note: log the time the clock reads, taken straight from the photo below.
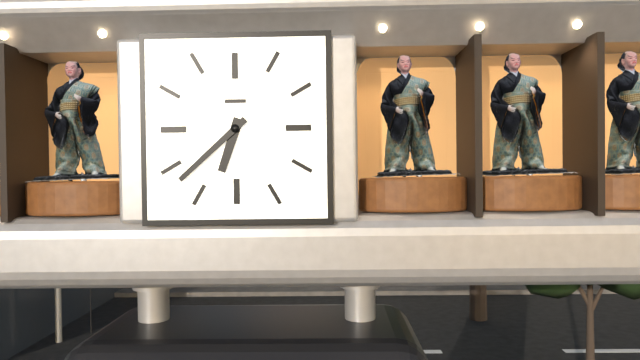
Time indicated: 6:38
